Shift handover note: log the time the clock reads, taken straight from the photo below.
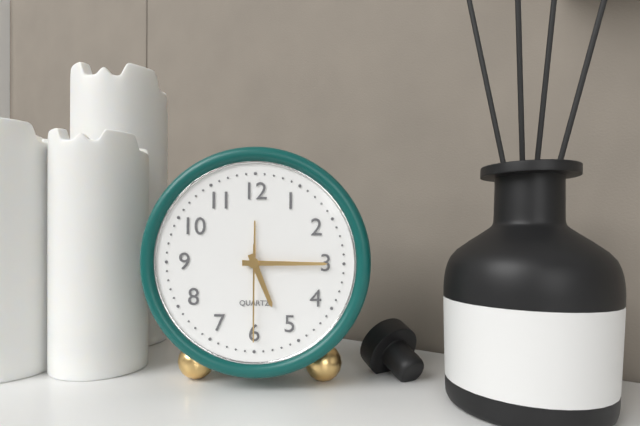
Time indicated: 5:15:30
